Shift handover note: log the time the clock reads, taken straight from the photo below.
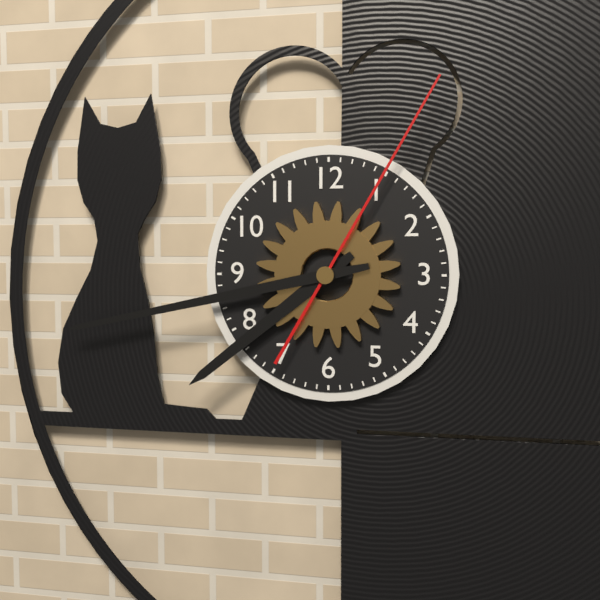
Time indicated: 7:43:05
